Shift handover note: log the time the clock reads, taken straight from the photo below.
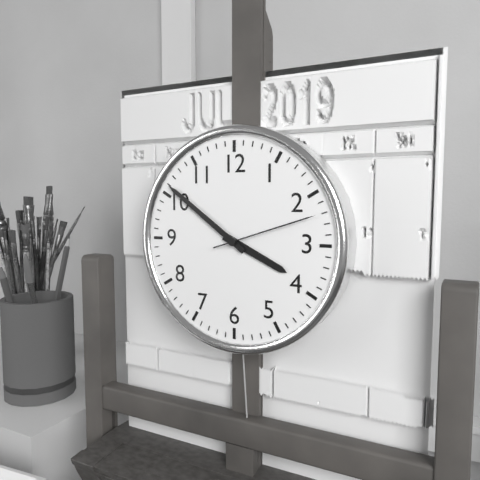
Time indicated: 3:51:12
